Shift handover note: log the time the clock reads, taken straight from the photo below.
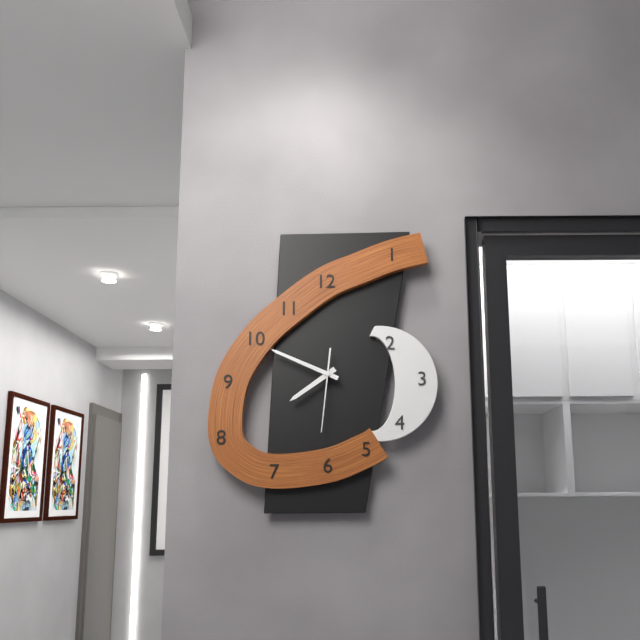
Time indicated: 7:49:31
